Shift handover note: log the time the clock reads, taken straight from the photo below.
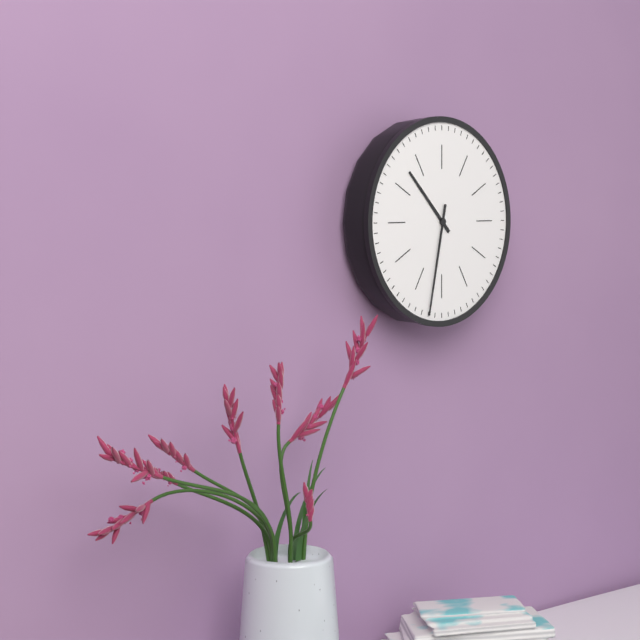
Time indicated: 10:32
